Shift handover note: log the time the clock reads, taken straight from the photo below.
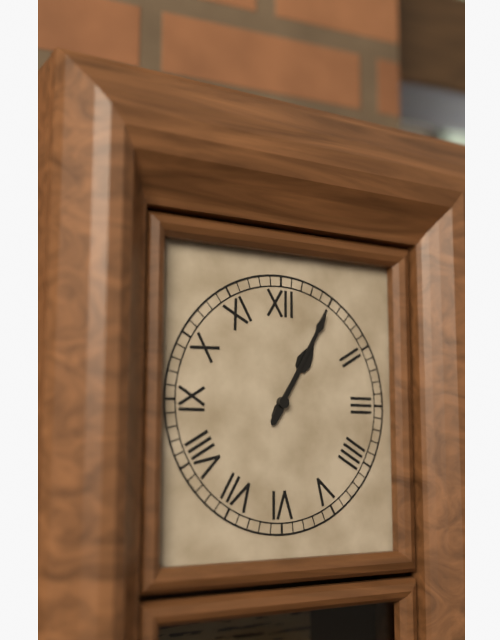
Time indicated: 1:05
